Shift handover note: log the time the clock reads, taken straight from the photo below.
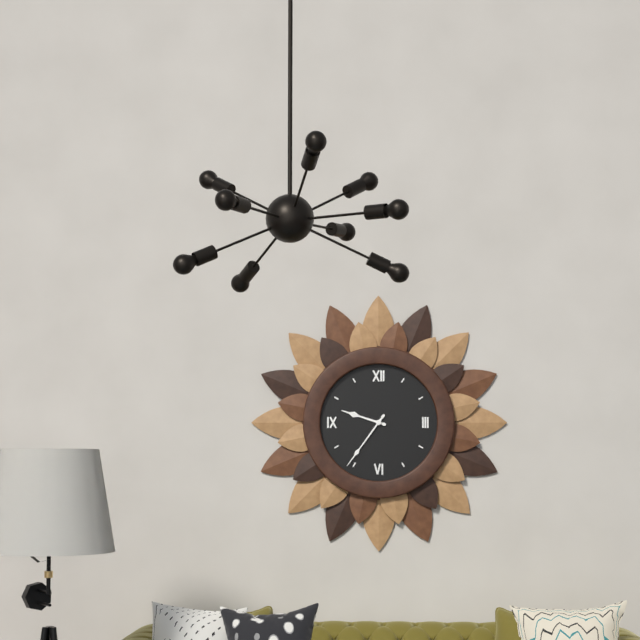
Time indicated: 9:36
